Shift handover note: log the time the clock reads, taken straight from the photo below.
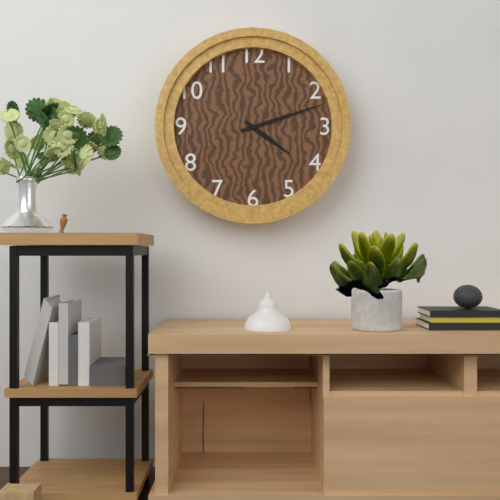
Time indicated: 4:12
